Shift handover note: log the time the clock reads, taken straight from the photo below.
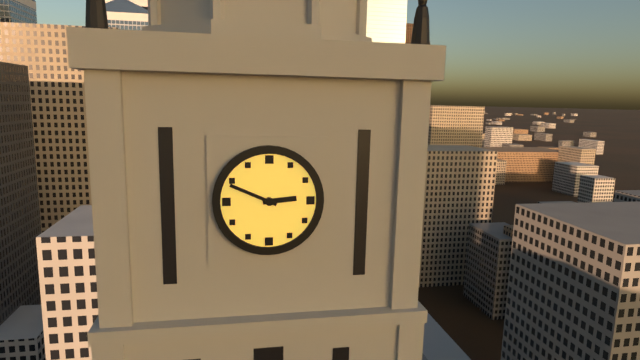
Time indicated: 2:49
